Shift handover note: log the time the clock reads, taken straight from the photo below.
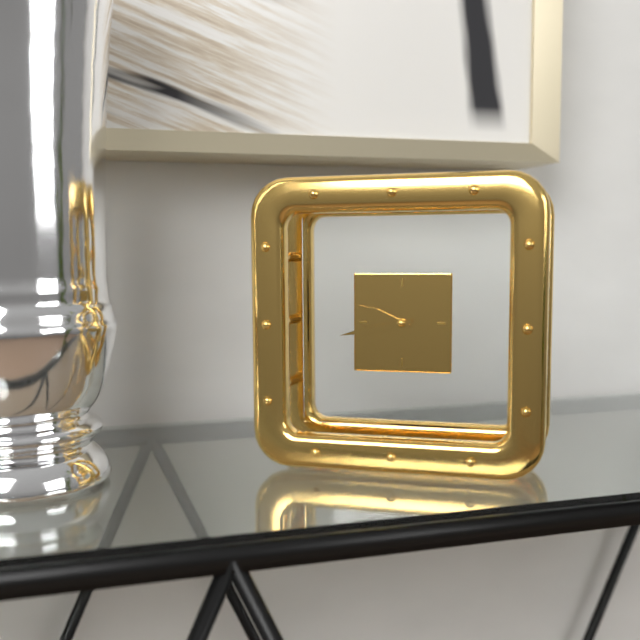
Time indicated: 9:43
